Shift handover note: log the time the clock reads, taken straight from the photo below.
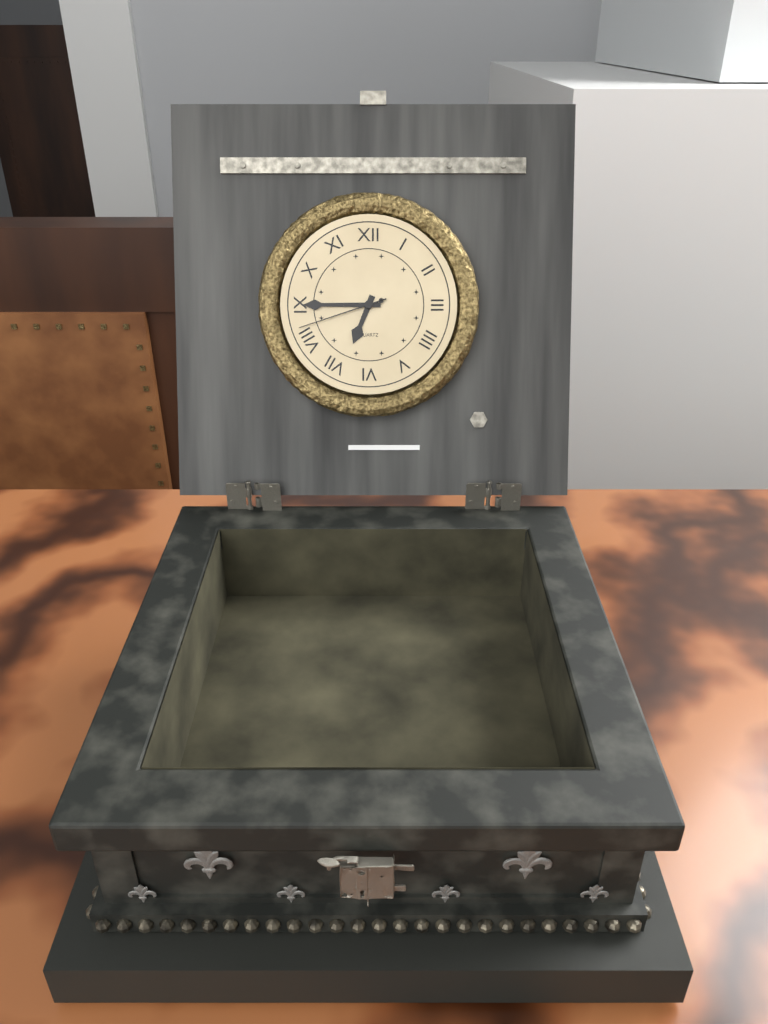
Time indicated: 6:45:42
